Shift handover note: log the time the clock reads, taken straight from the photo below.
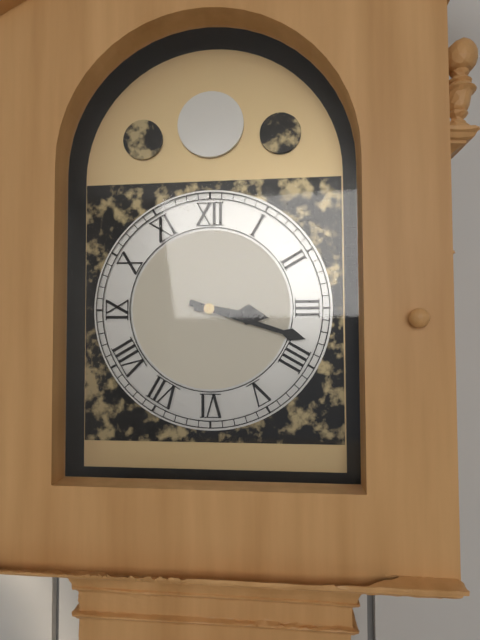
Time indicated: 3:18
